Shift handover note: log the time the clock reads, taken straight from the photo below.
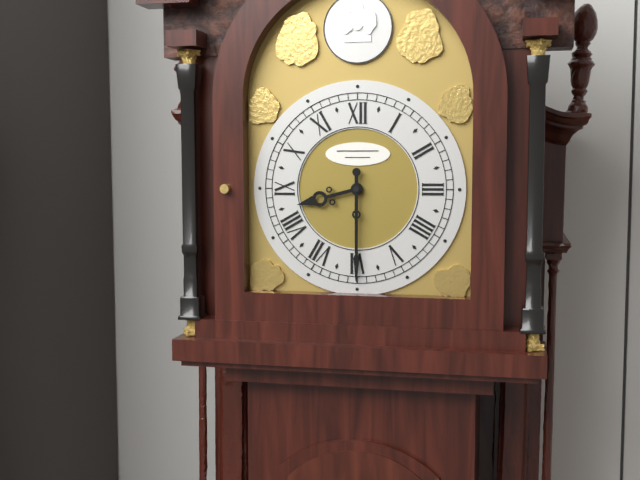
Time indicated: 8:30
